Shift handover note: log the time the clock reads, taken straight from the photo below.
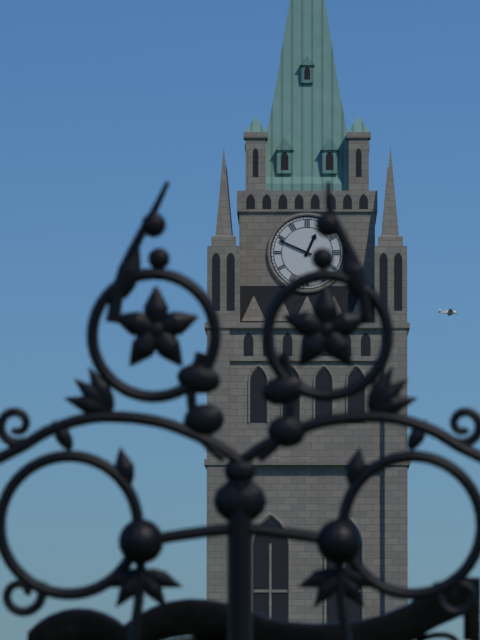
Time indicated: 12:49
